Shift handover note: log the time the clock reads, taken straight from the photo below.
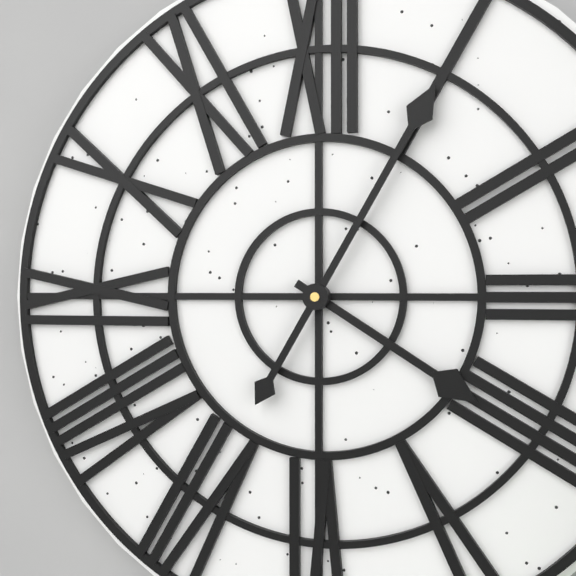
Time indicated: 4:05
